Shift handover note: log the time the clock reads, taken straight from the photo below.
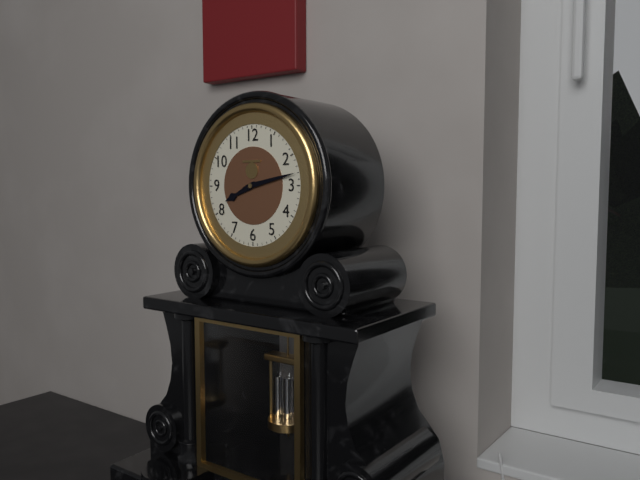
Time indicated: 8:13
